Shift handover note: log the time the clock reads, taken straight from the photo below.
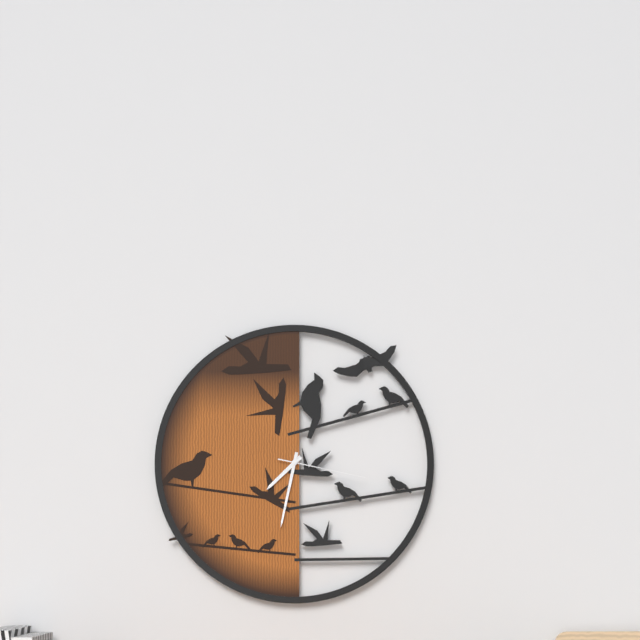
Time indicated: 7:32:17
